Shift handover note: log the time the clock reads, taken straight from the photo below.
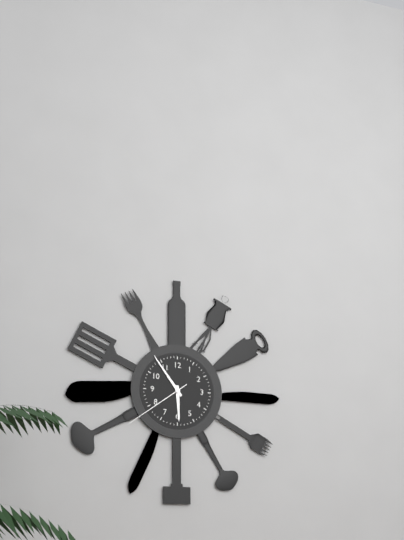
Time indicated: 5:54:39
